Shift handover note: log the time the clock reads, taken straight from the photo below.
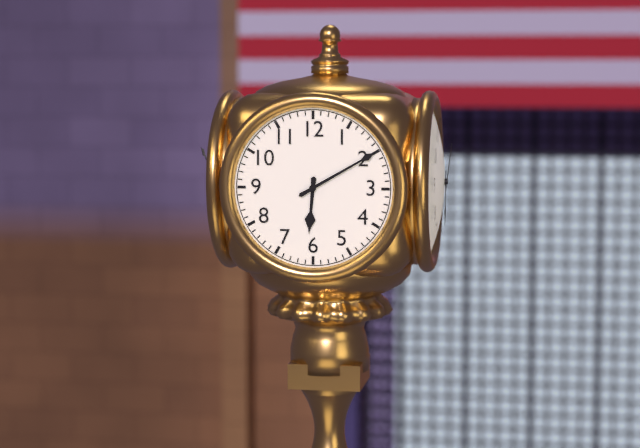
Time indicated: 6:10
